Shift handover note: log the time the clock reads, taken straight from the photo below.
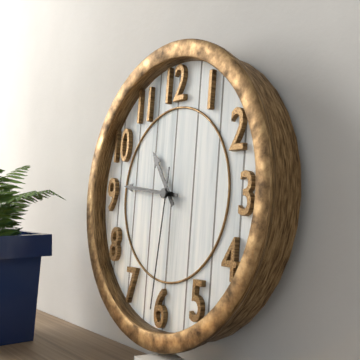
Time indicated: 10:46:31
